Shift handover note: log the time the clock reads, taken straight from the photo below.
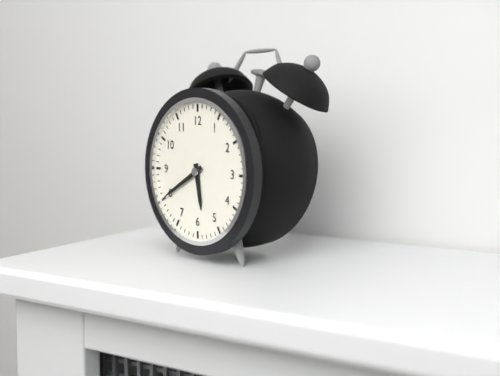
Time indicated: 5:40
